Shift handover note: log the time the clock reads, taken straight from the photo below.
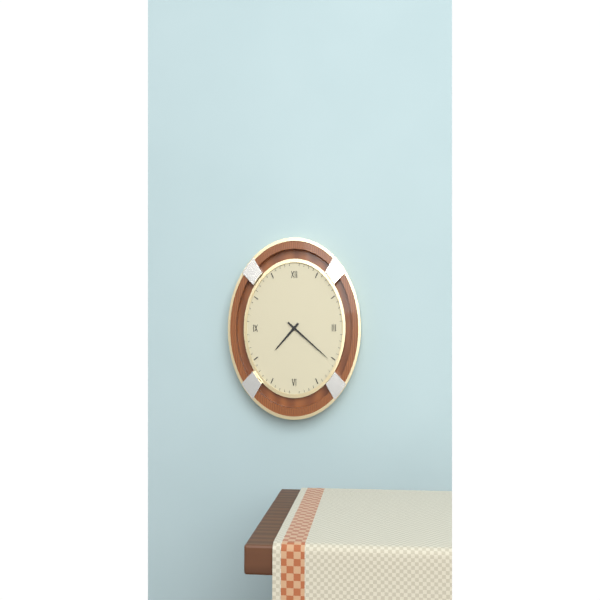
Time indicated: 7:22
